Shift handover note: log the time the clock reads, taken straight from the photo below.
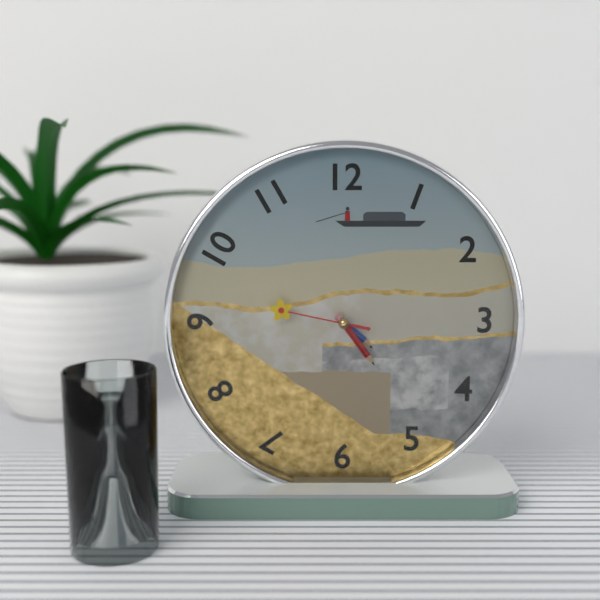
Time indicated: 4:24:47
